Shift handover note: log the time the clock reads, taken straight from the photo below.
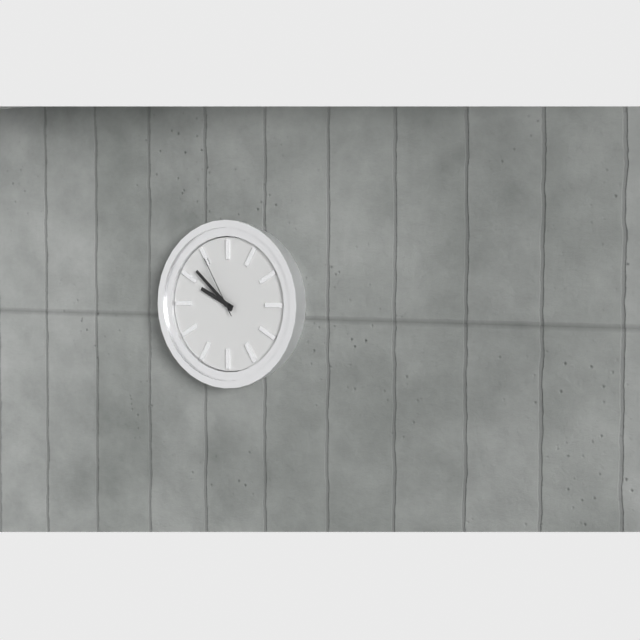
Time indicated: 9:52:55
